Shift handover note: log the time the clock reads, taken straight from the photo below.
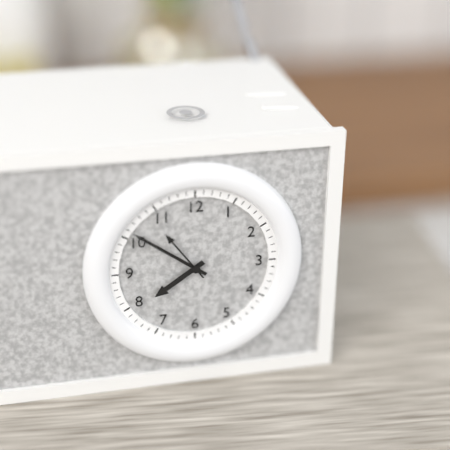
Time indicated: 7:51:54
